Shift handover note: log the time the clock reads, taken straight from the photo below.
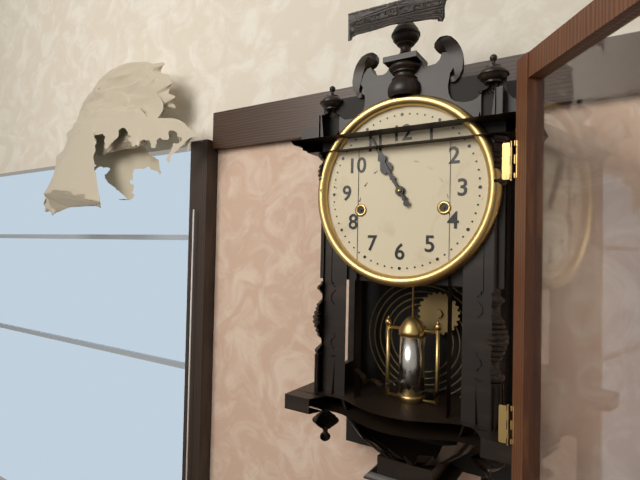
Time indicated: 10:55
